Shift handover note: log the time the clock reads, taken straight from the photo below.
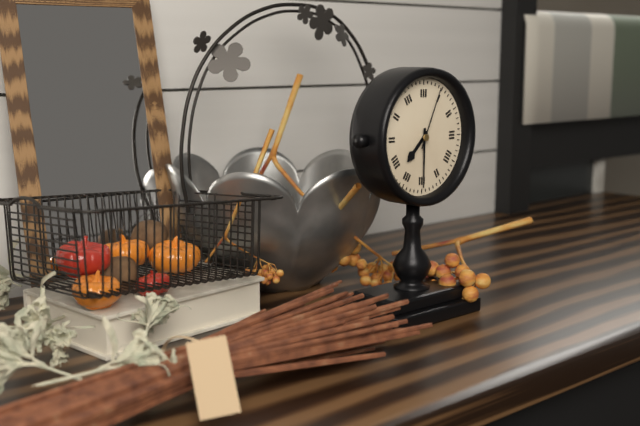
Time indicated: 7:30:04
